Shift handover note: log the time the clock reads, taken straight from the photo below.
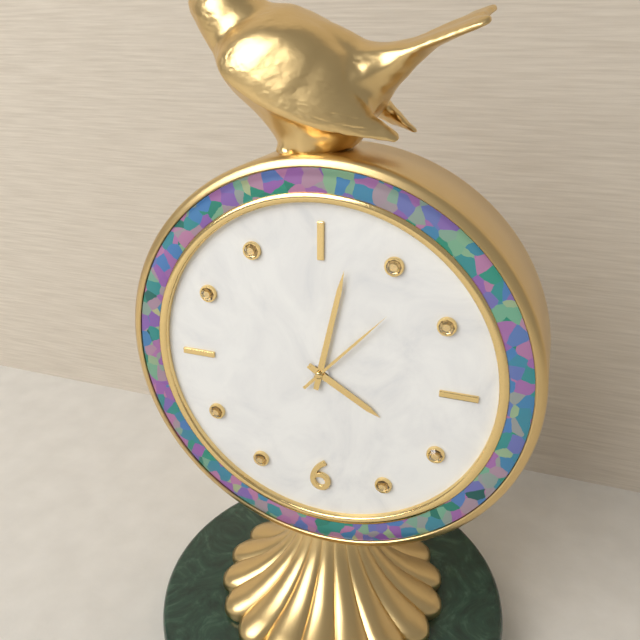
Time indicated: 4:02:07
